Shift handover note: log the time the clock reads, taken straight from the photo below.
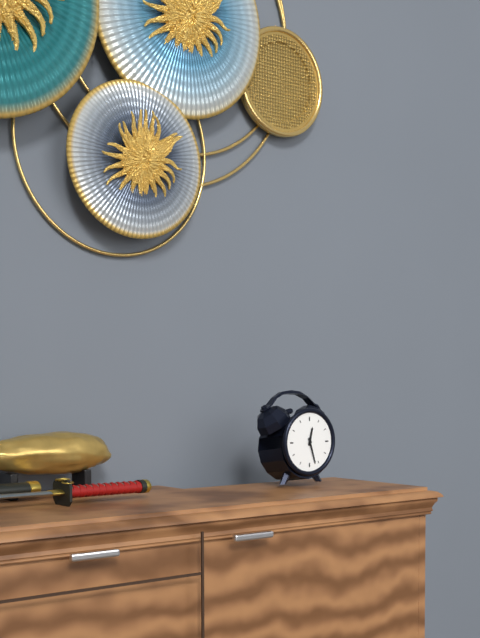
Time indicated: 12:27
